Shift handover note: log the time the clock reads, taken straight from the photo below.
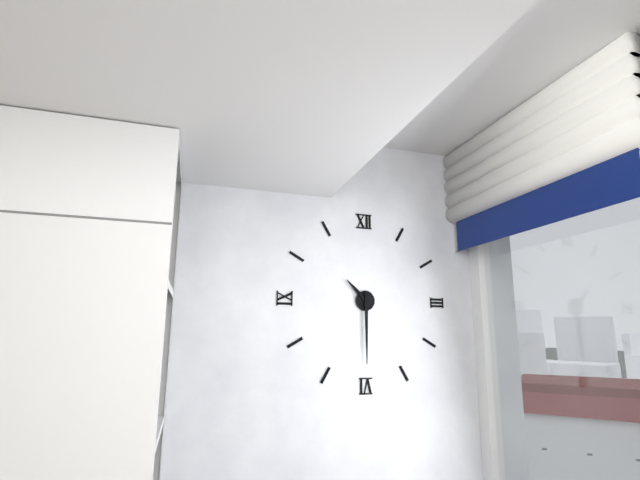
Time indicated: 10:30
